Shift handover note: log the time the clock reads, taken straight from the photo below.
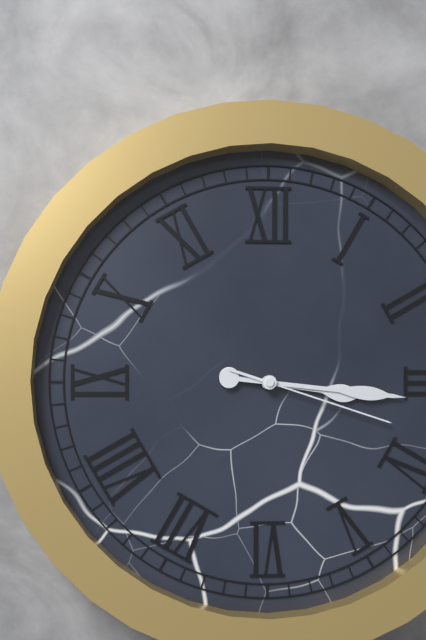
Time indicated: 3:16:18
